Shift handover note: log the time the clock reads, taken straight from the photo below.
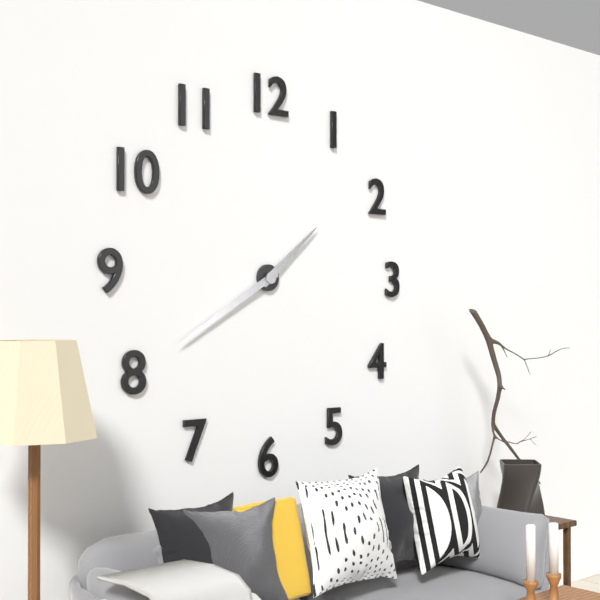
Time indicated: 1:40
